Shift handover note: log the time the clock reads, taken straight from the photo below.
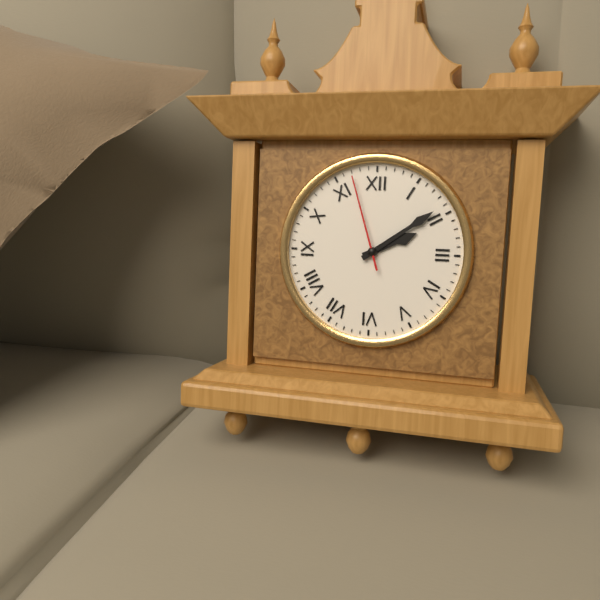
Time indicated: 2:09:57
